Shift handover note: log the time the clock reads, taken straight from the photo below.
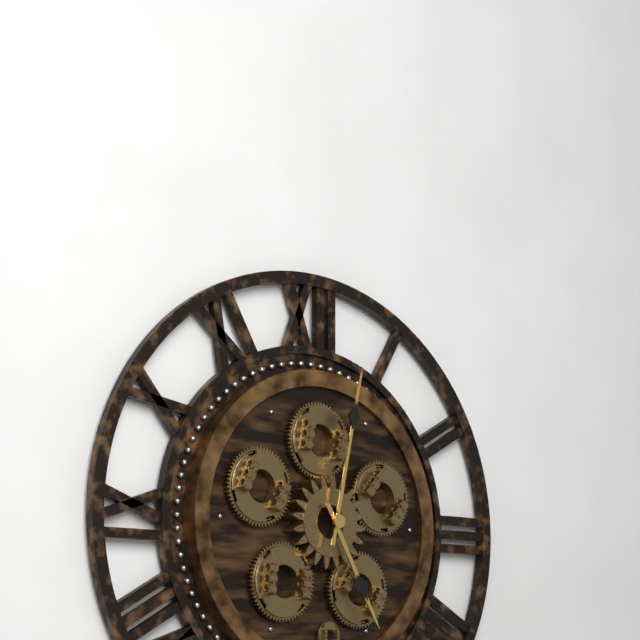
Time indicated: 5:02
